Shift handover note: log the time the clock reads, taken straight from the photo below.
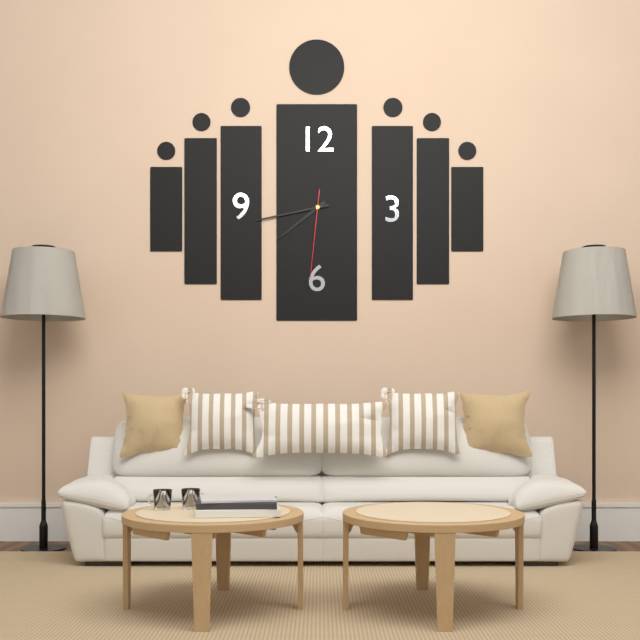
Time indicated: 7:43:31
